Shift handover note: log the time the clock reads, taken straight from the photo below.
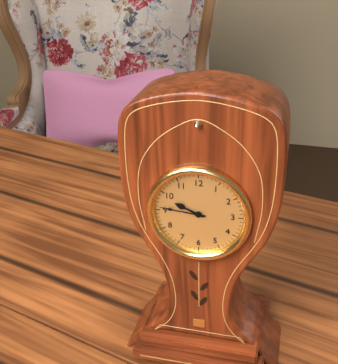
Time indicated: 9:46
